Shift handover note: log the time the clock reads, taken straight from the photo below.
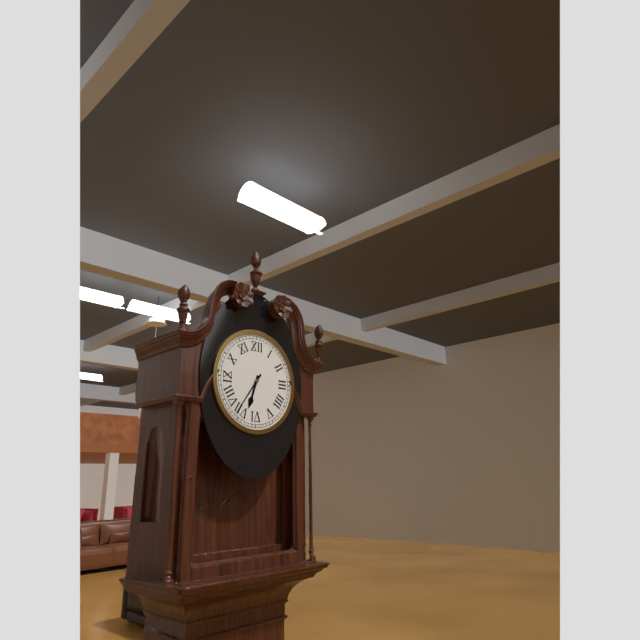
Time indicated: 6:36
